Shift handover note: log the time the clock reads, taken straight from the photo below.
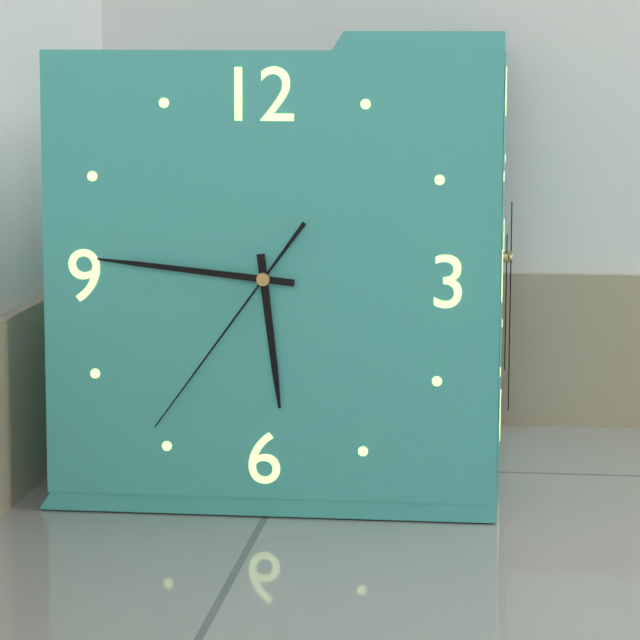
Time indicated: 5:46:36
